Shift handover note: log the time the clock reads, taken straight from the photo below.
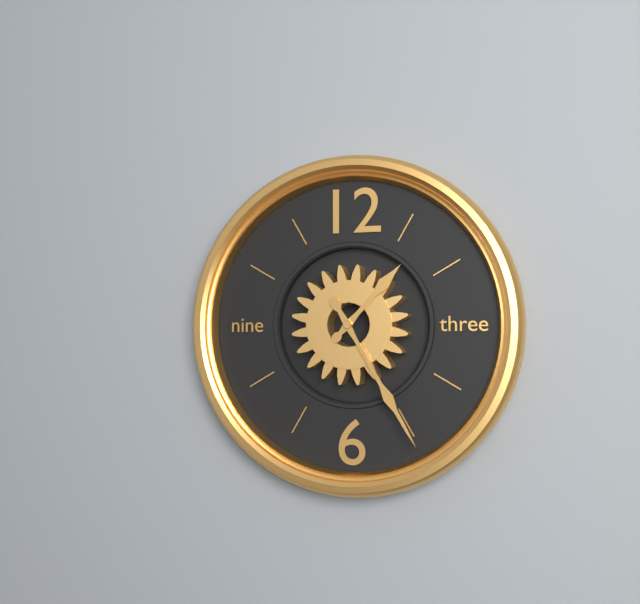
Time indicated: 1:25
